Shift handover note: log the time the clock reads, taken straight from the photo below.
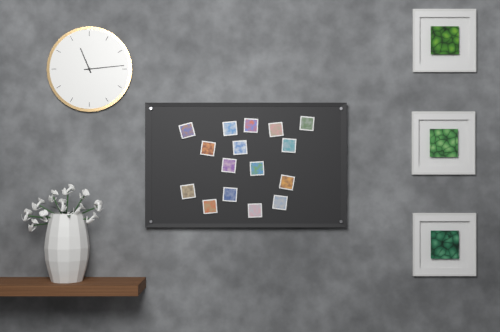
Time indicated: 11:14
